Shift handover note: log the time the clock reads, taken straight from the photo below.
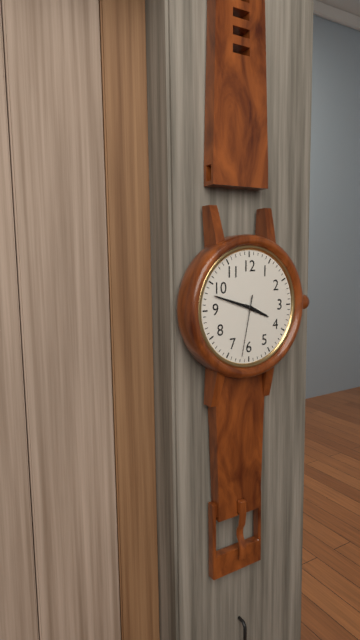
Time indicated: 3:48:32
